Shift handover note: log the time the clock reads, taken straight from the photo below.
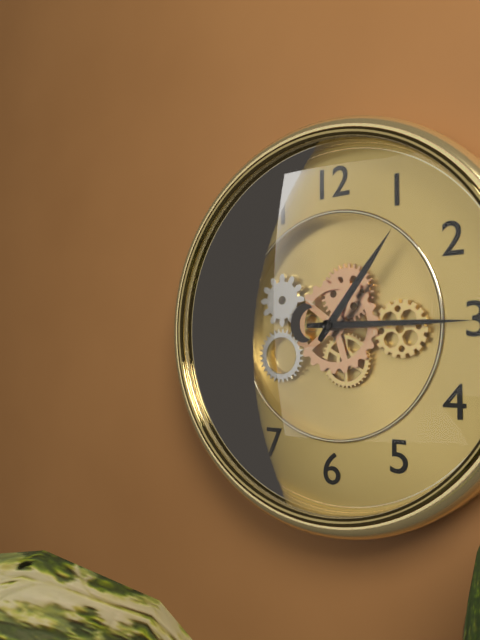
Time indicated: 1:15
